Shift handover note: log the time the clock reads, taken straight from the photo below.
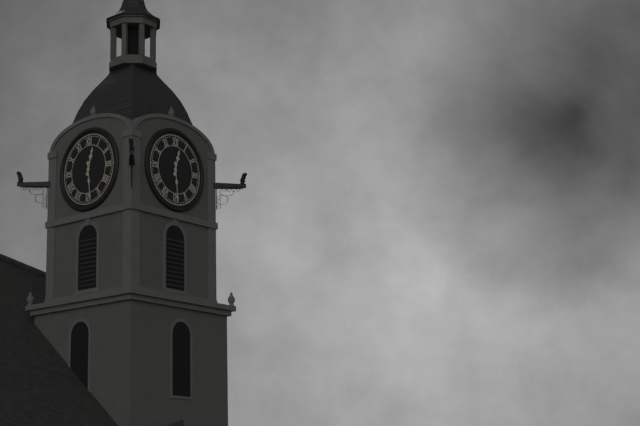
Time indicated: 12:29
